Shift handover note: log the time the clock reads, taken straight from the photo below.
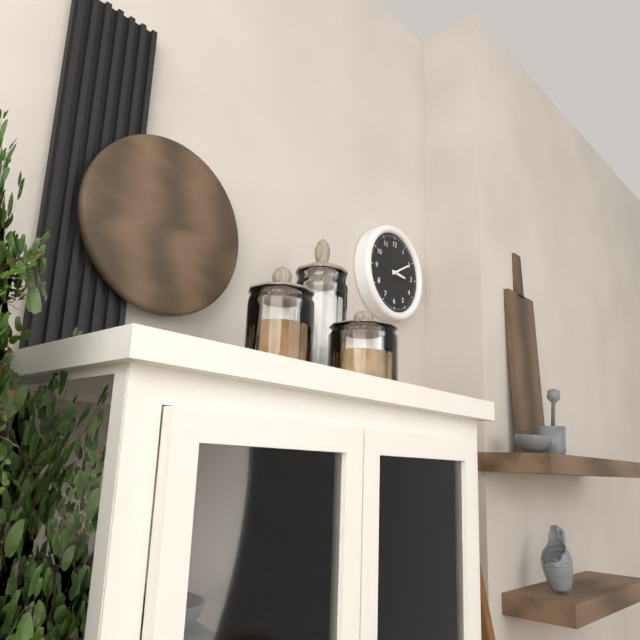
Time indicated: 3:10
